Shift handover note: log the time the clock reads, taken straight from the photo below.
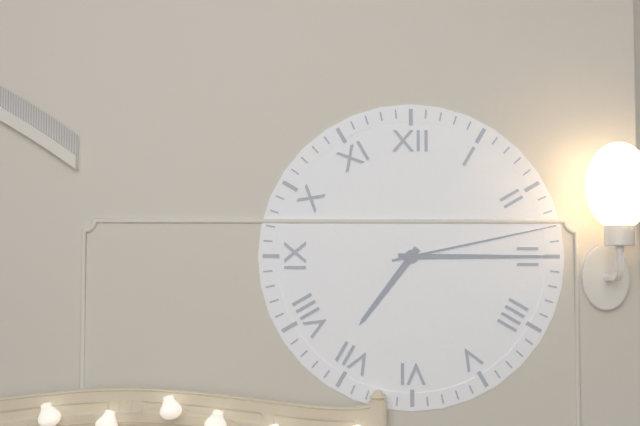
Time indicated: 7:15:13
